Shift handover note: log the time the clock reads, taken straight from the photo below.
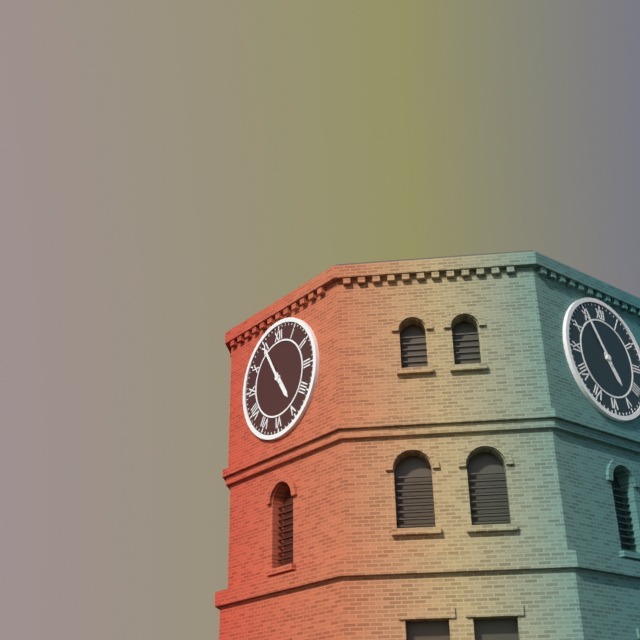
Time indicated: 4:55
